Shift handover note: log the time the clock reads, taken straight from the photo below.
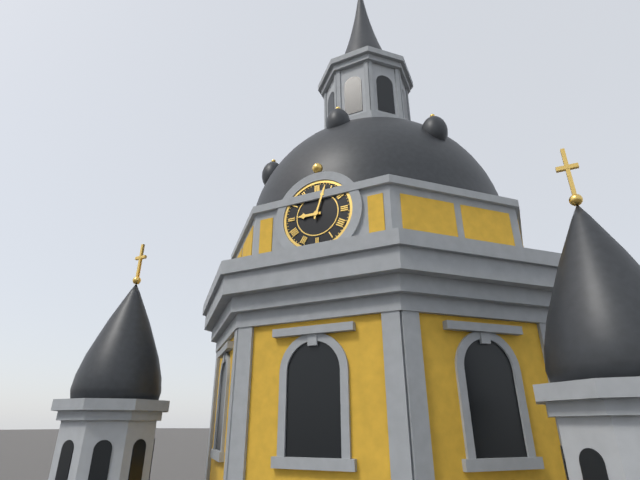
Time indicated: 9:03
